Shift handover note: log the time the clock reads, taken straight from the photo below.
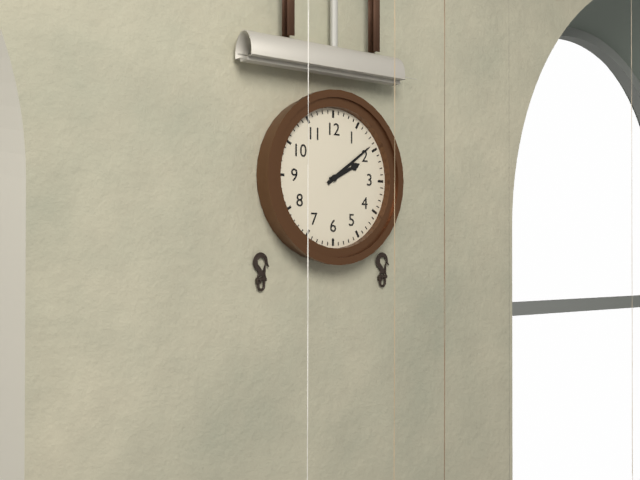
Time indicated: 2:09
